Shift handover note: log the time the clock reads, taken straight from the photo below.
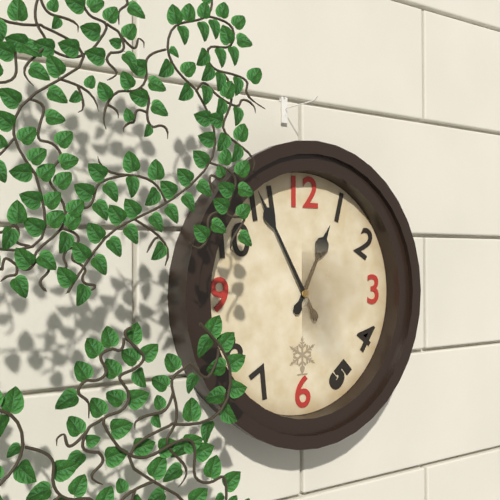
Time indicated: 12:55
